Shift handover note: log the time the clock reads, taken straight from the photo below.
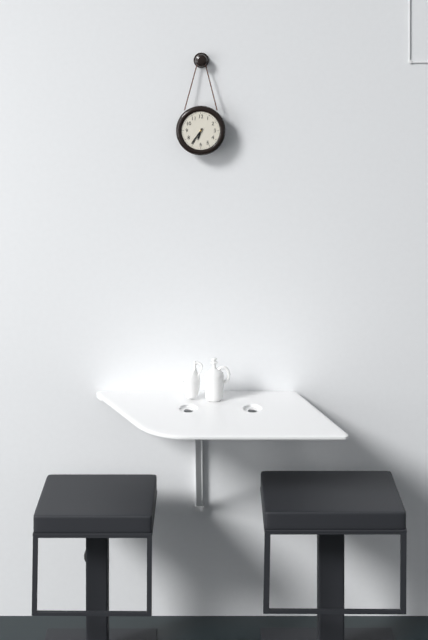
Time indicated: 6:36
